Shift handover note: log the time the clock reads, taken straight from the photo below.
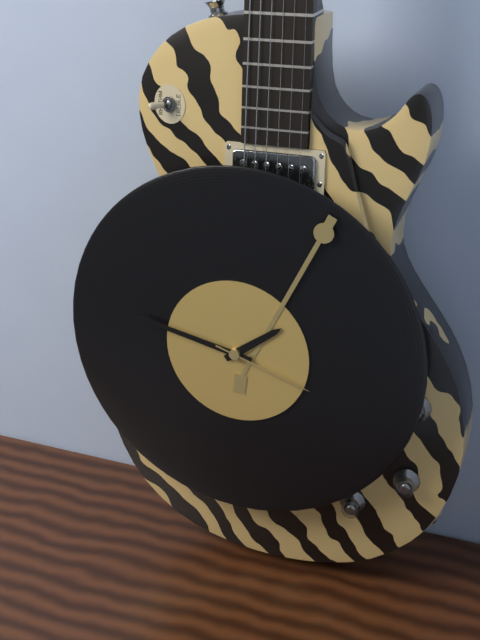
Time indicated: 1:47:18
